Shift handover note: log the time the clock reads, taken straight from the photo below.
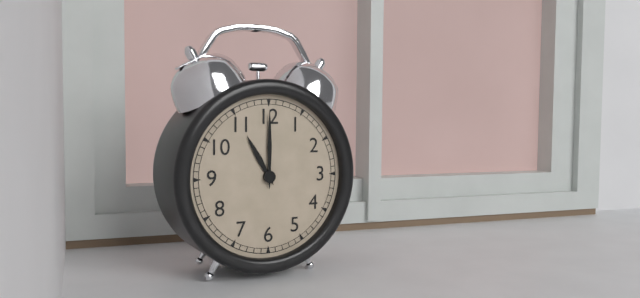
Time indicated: 11:00
